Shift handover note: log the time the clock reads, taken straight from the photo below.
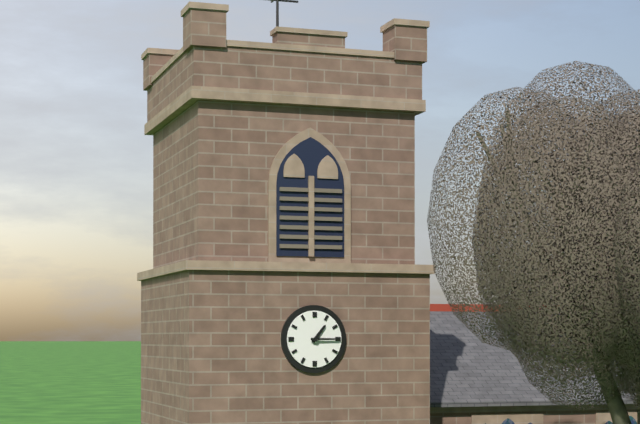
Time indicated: 1:15
